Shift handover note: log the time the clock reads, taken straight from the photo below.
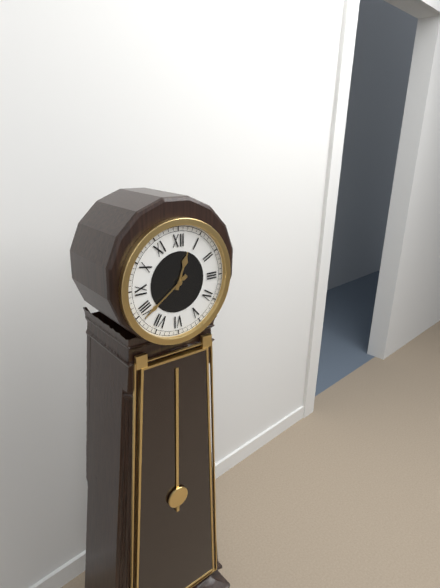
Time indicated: 12:39
